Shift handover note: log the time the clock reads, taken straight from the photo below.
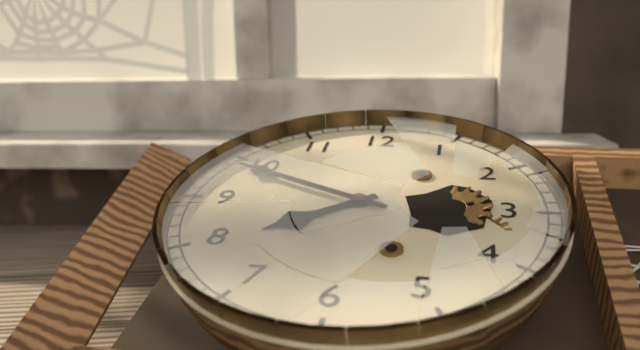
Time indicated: 7:49
